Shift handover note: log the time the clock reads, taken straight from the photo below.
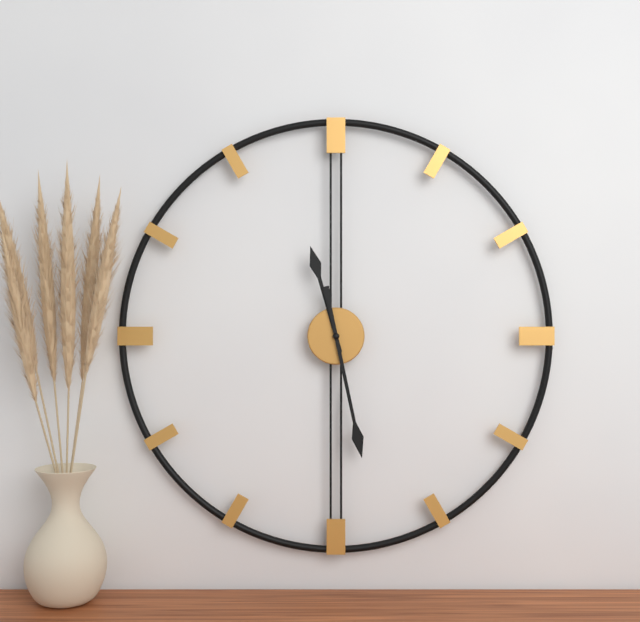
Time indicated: 11:28
